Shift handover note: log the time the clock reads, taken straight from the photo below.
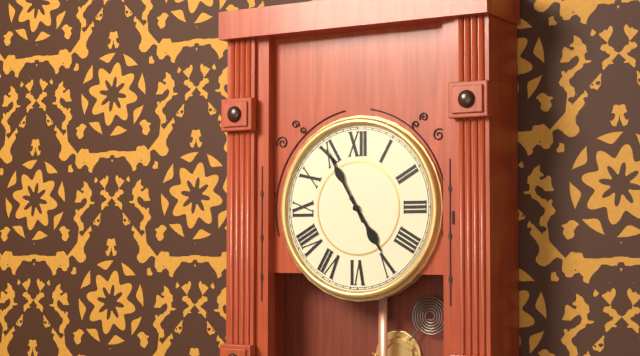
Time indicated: 4:55
